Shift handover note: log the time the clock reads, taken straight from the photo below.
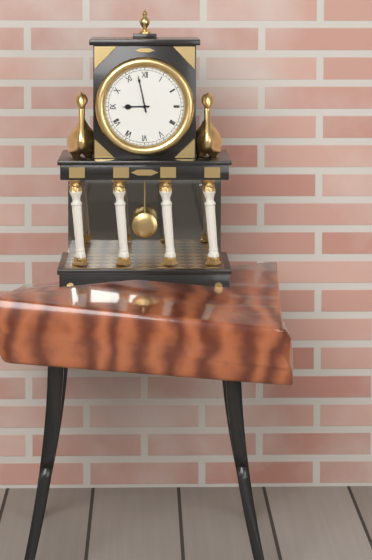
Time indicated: 8:58
